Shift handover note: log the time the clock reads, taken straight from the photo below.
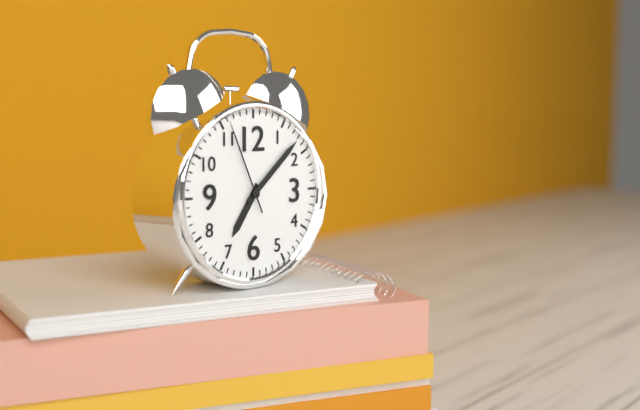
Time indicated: 7:08:56
